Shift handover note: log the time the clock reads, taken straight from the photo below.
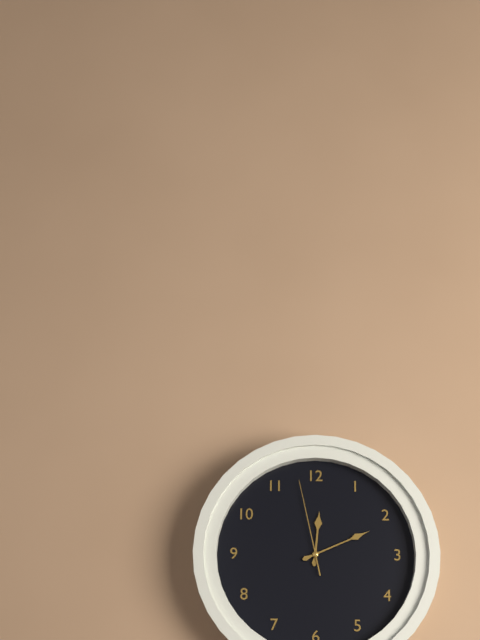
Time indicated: 12:11:58
